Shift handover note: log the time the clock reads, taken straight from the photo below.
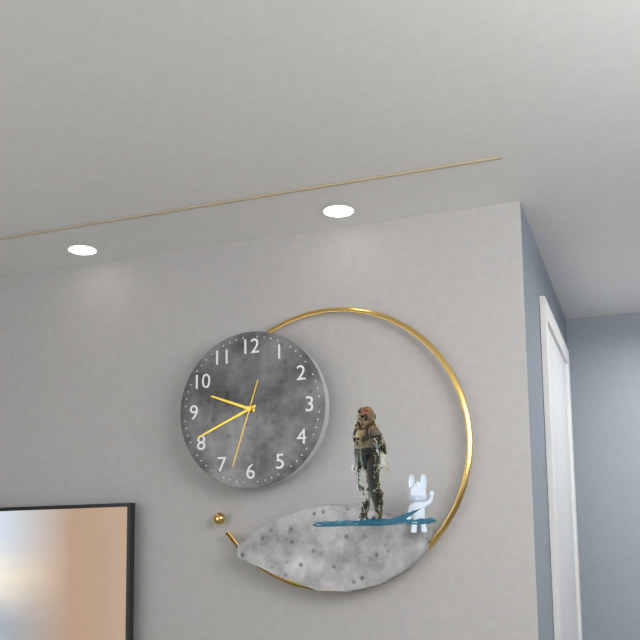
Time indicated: 9:41:33
